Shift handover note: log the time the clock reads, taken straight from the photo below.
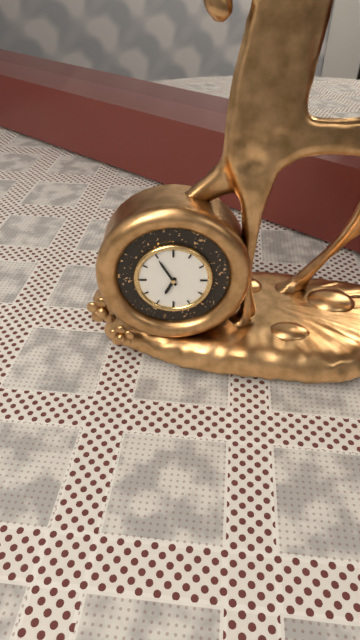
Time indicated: 6:55
